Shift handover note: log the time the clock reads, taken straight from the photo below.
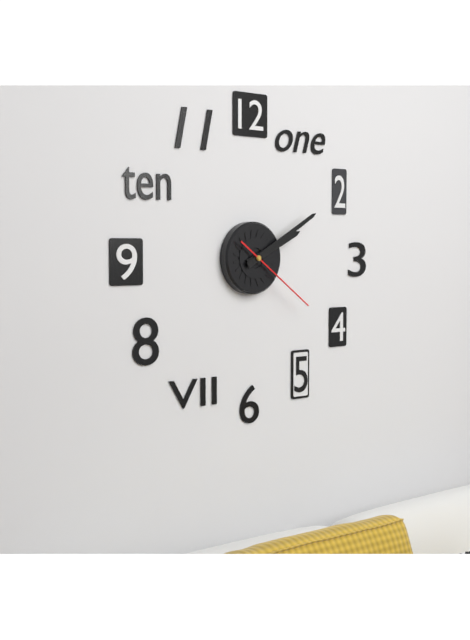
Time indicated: 2:10:21
